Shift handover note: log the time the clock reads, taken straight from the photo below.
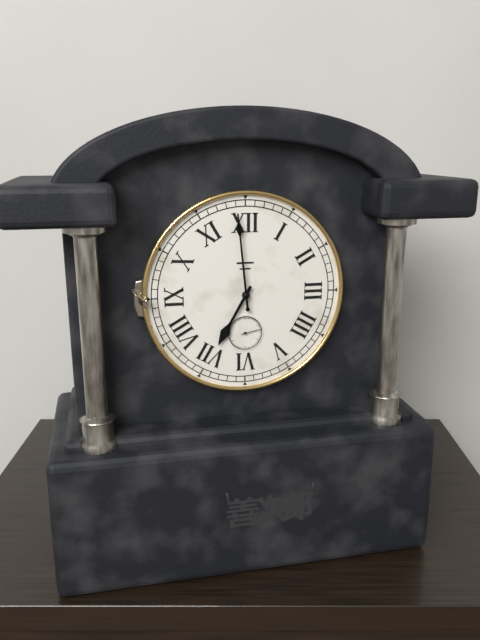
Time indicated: 6:59
